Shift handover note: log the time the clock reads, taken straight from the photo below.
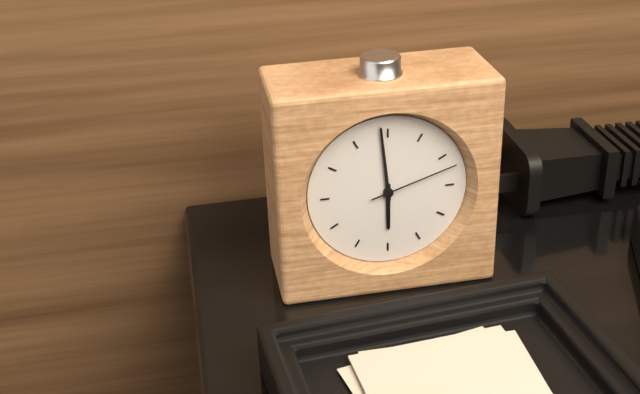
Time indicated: 5:59:12
